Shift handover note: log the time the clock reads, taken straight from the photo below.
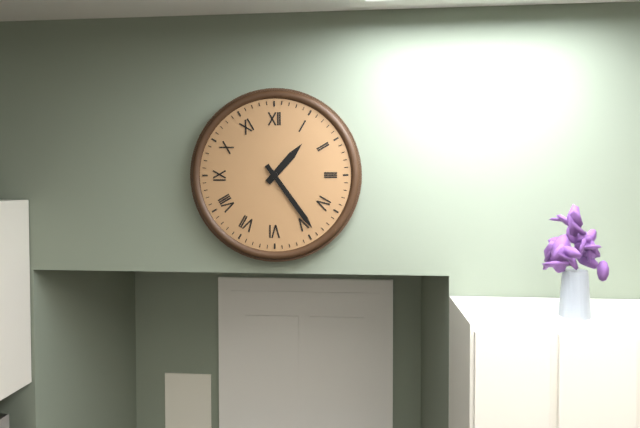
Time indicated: 1:24
